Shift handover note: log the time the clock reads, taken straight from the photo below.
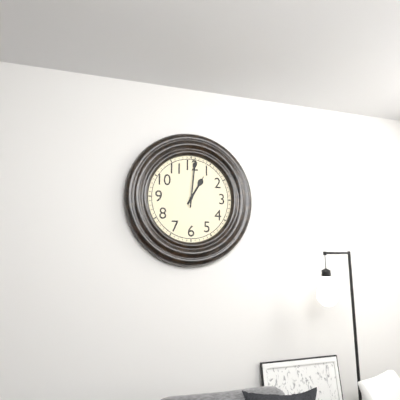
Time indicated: 1:01
